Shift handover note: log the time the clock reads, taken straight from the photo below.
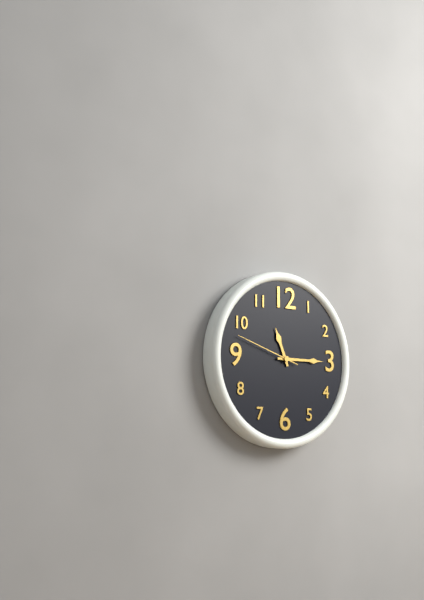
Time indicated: 11:15:48
